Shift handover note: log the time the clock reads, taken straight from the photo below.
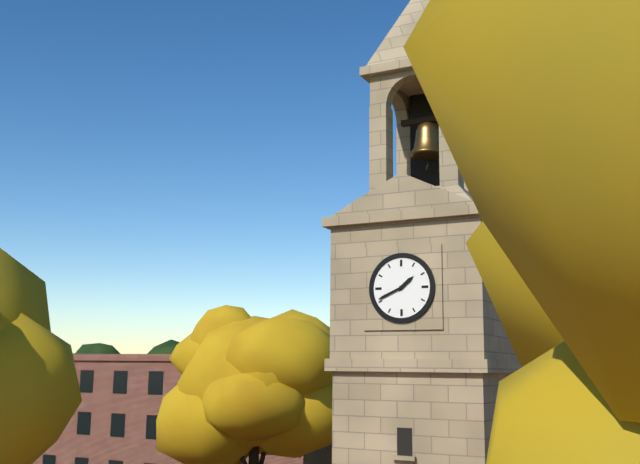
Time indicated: 1:41
